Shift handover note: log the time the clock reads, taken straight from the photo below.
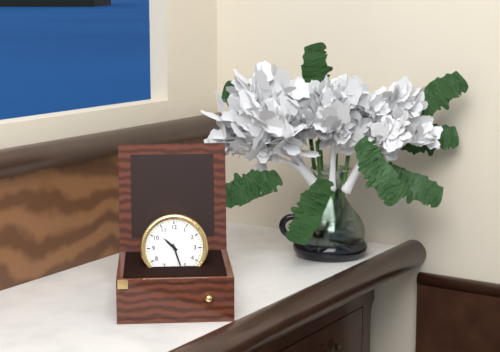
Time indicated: 10:27
